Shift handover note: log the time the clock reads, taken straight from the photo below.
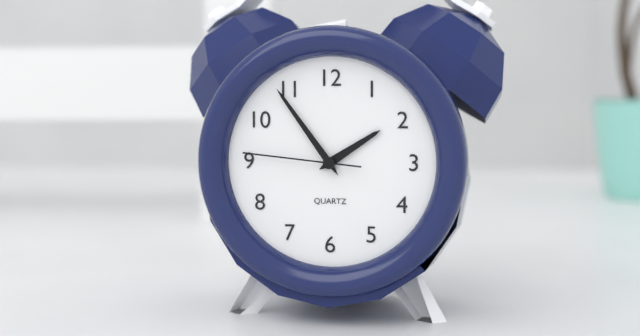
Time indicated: 1:54:46
